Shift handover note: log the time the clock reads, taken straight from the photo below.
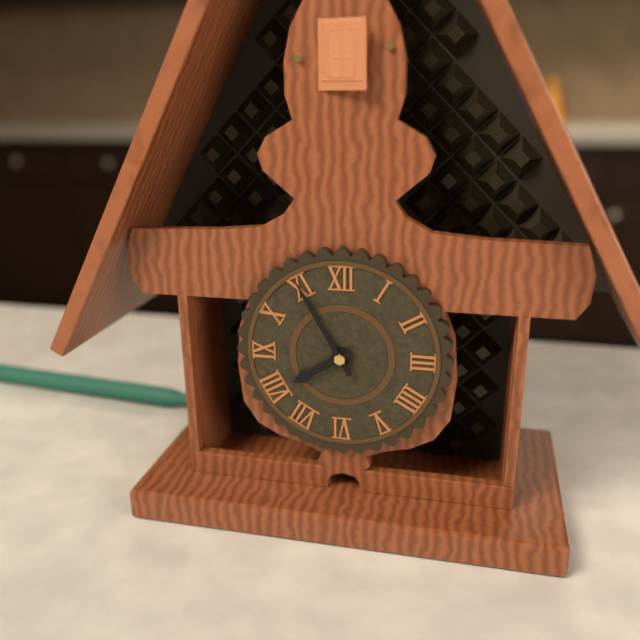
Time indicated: 7:55
